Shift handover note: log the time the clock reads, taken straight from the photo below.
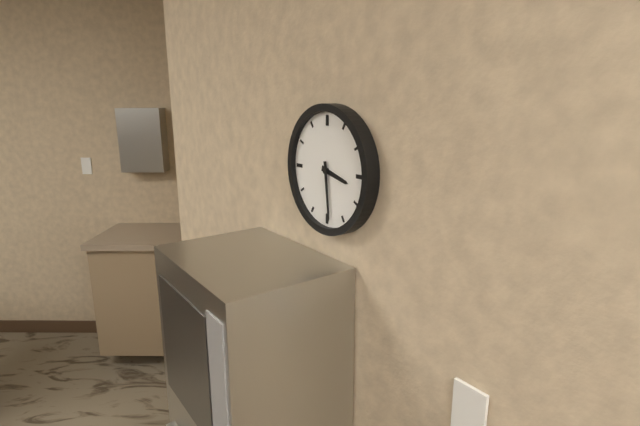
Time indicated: 3:29
